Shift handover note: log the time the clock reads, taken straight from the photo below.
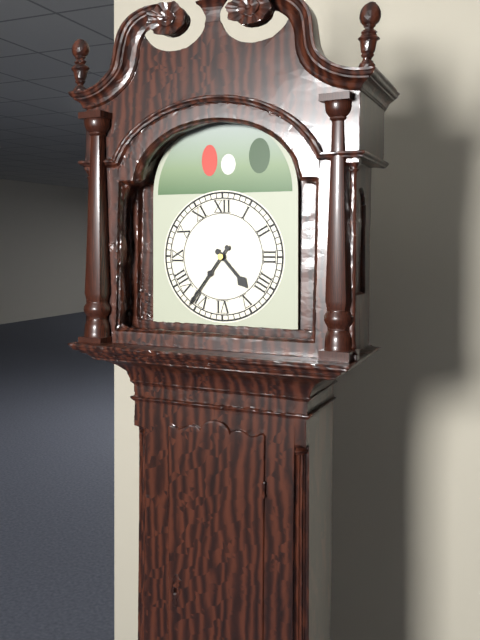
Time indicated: 4:36
